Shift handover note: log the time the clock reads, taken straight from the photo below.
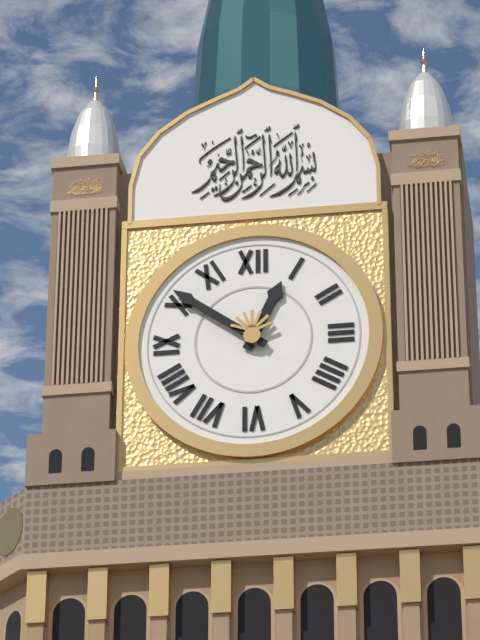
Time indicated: 12:51
